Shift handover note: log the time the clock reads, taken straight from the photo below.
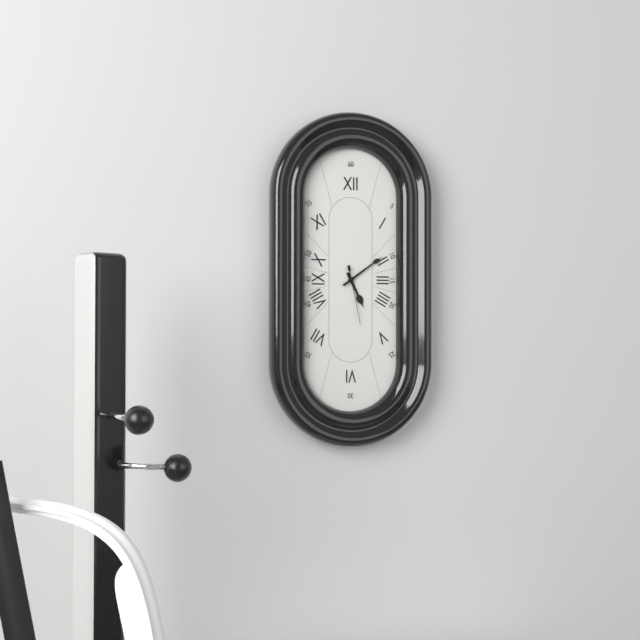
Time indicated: 5:09:28
